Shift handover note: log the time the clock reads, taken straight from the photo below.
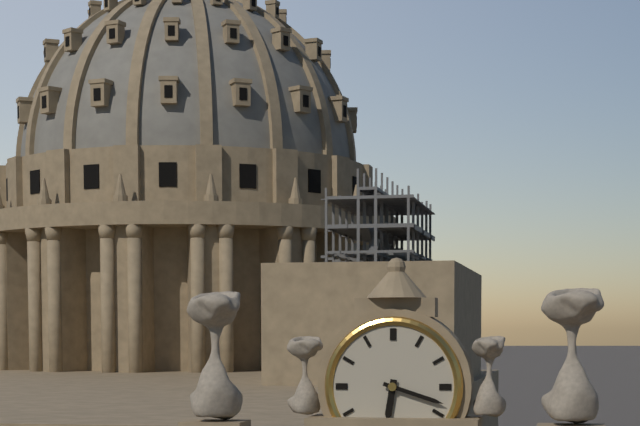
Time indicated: 6:18
